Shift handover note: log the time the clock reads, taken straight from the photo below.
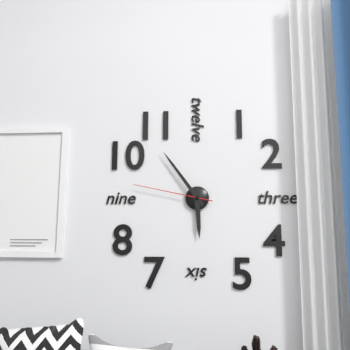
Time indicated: 5:54:47
